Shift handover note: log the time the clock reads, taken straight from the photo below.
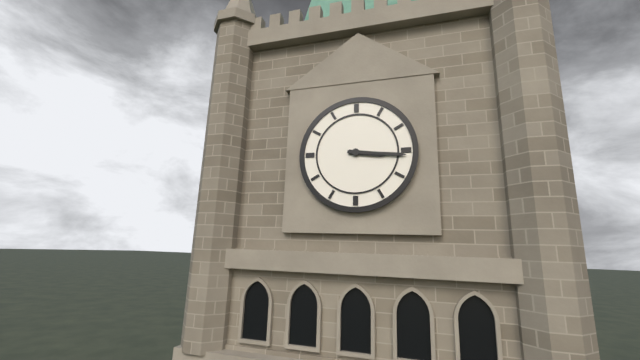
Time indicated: 3:16
